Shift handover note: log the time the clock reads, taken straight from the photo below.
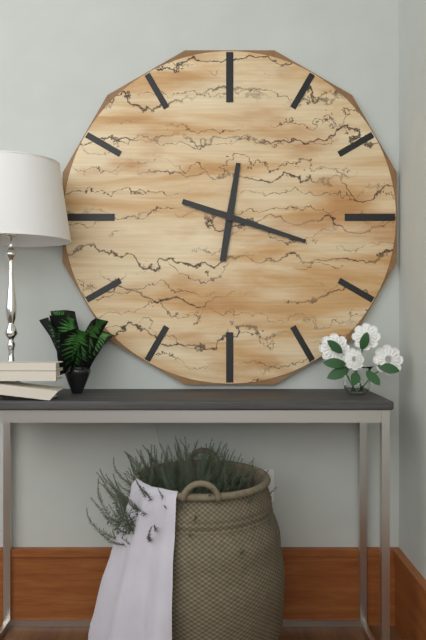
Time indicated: 12:18
